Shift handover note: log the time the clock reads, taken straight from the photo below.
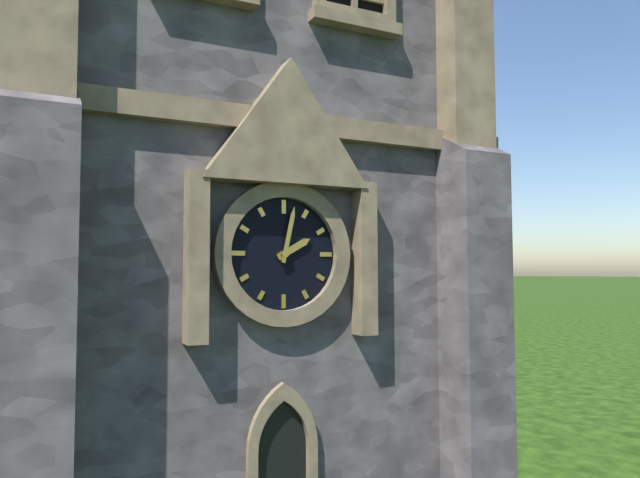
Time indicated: 2:02
